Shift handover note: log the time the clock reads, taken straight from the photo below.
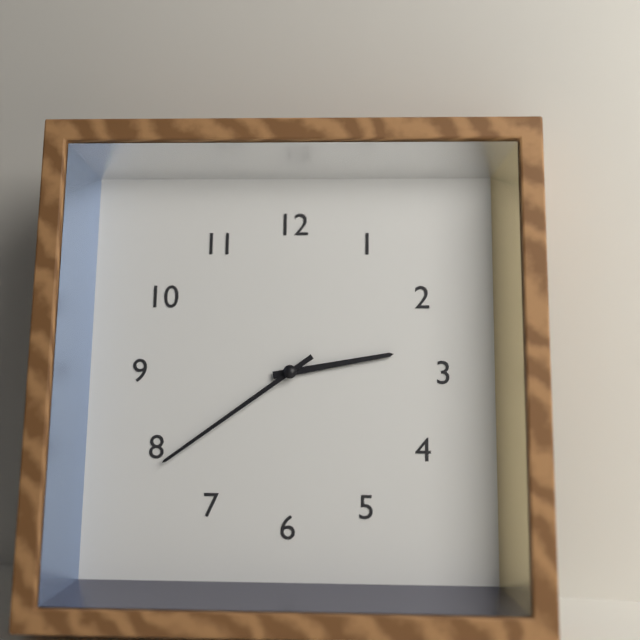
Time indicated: 2:39
